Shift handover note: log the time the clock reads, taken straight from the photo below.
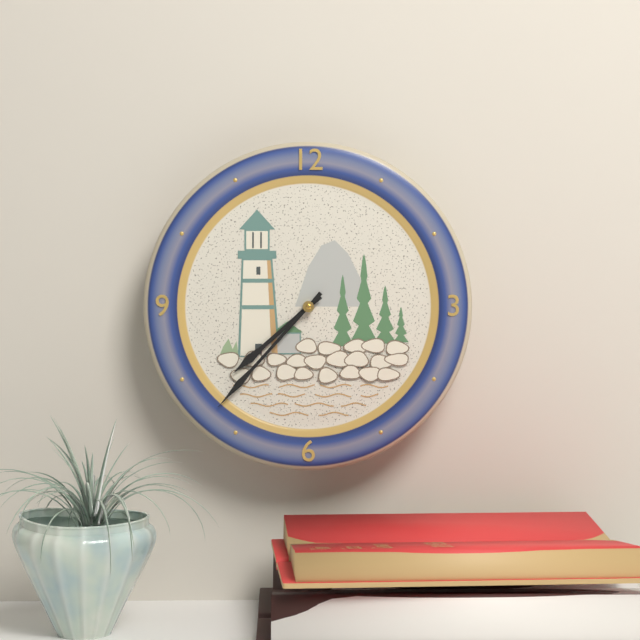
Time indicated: 7:37
